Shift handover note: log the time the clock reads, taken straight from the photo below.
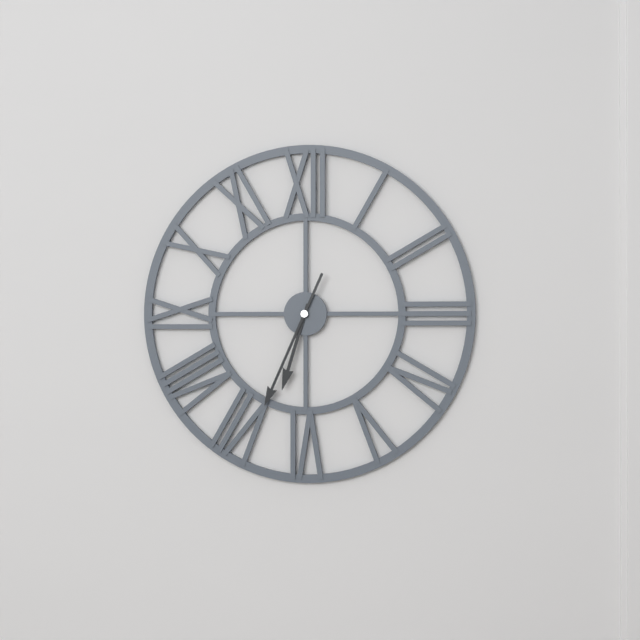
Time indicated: 6:34
